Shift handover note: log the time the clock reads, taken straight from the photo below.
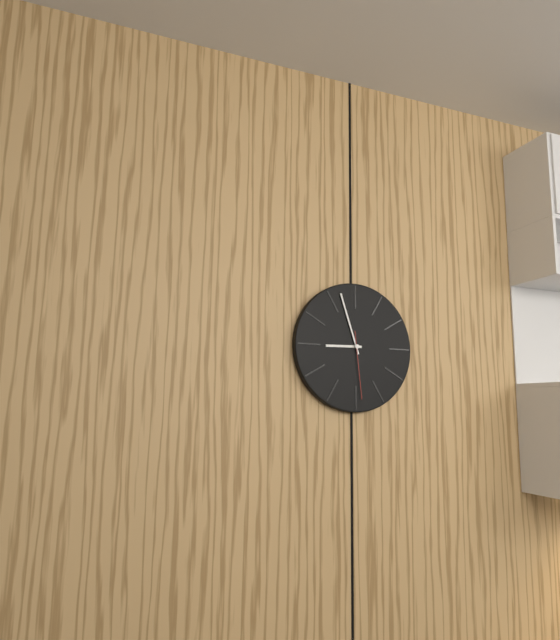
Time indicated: 8:57:29
